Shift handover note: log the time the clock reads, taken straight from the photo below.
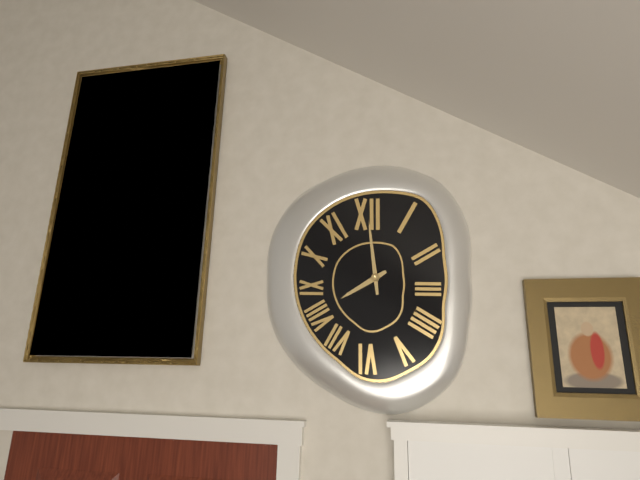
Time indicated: 7:59
